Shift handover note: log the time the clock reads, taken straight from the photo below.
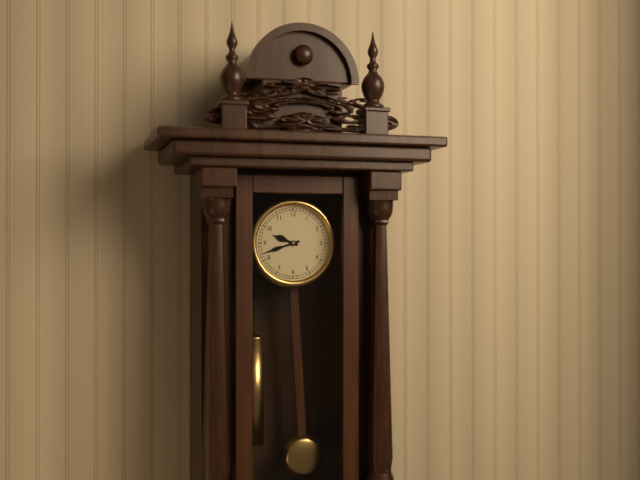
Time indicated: 9:42
